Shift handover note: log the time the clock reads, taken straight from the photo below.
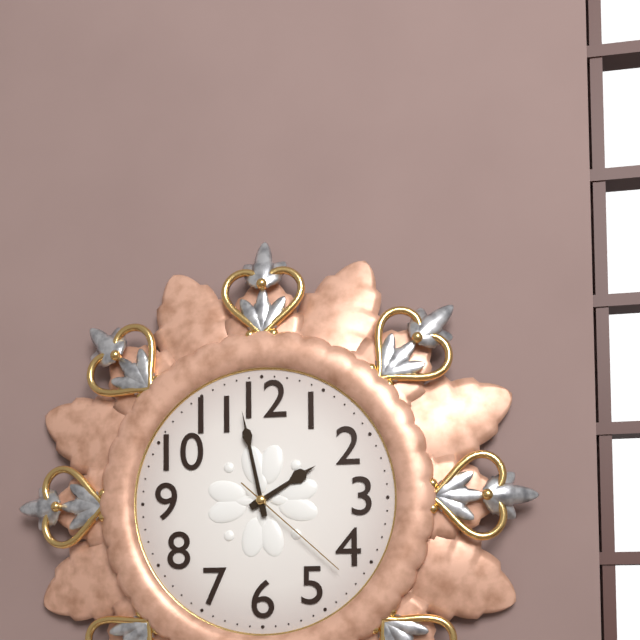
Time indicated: 1:58:22
